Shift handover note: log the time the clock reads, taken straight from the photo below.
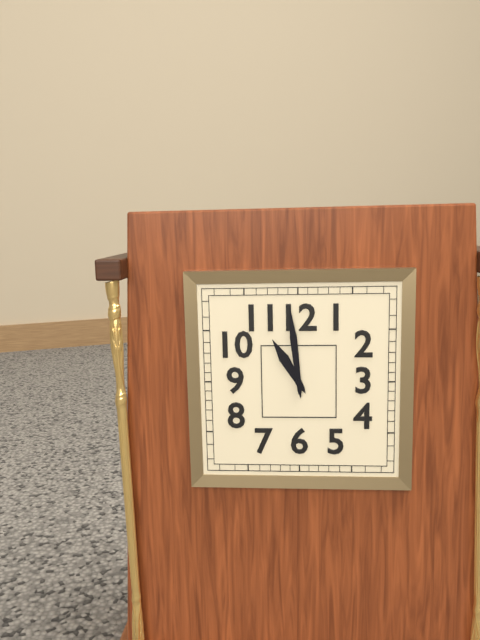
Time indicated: 10:59
